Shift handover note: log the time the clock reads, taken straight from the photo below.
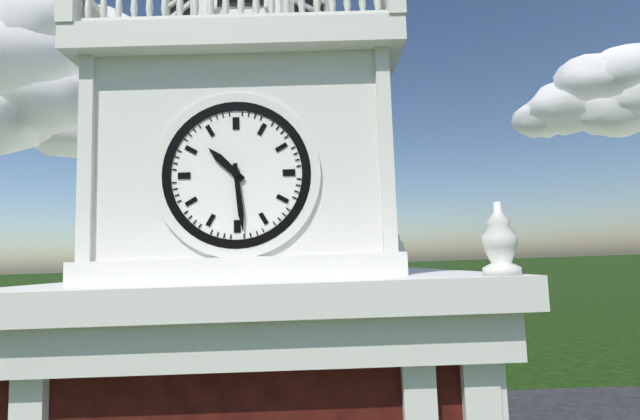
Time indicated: 10:29
